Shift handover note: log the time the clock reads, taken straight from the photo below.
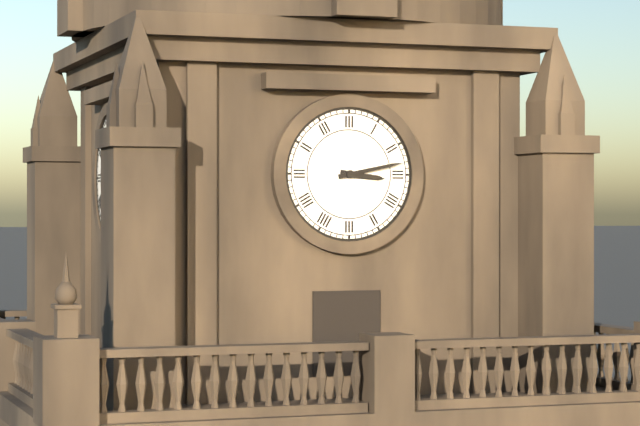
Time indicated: 3:13
